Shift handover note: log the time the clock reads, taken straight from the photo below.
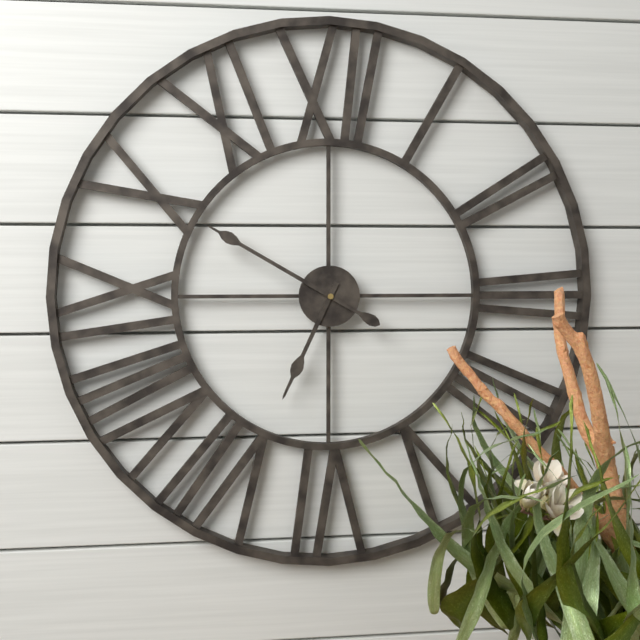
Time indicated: 6:50
